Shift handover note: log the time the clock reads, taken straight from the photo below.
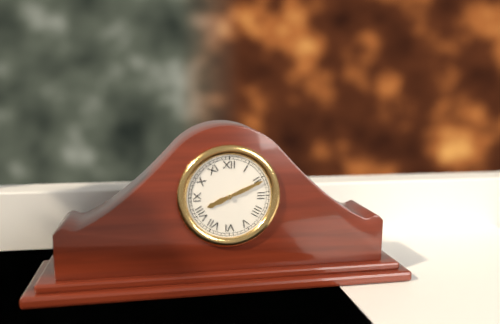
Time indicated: 8:11
